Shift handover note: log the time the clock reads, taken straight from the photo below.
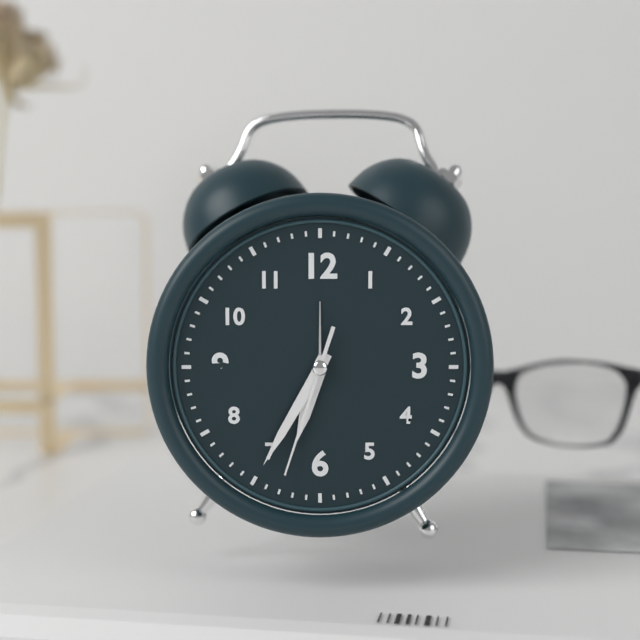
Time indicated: 6:35:33
